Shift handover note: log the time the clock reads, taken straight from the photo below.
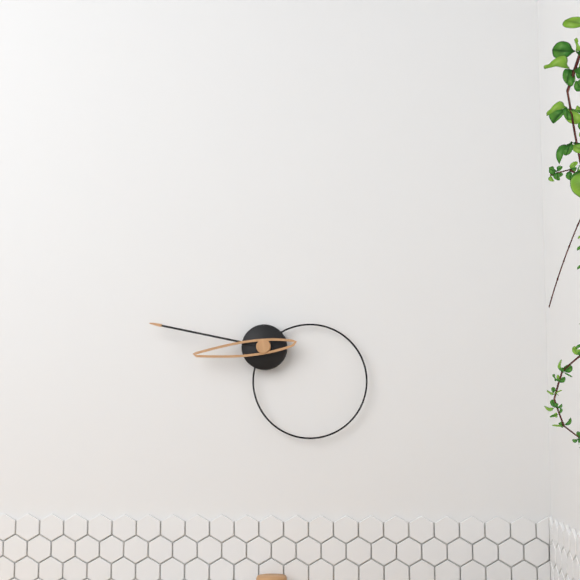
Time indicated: 8:47
